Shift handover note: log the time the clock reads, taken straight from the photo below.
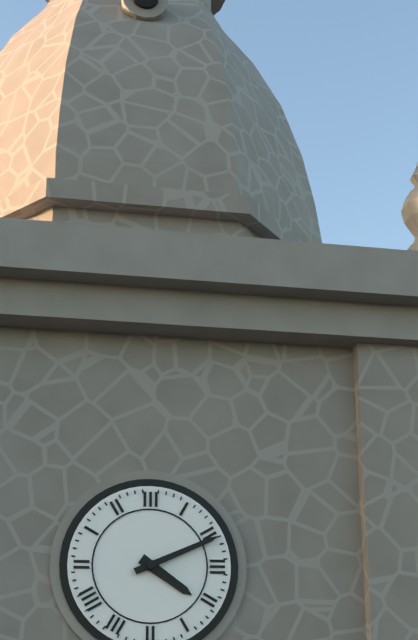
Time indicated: 4:11
